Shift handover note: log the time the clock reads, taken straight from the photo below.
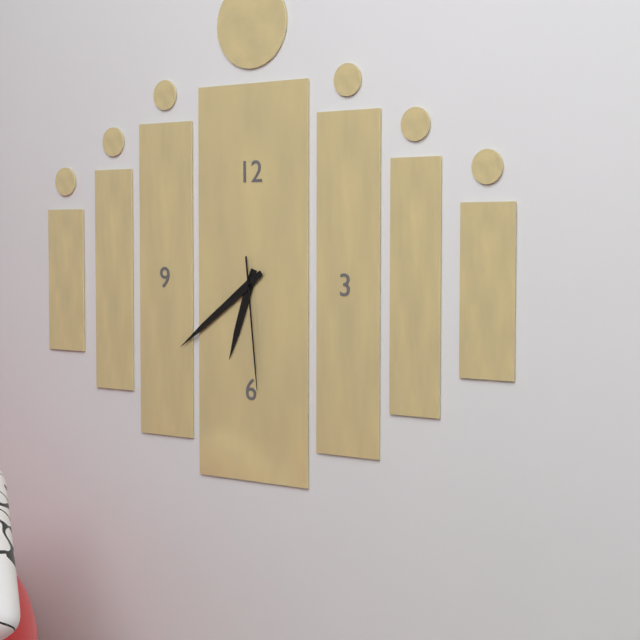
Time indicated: 6:39:29
